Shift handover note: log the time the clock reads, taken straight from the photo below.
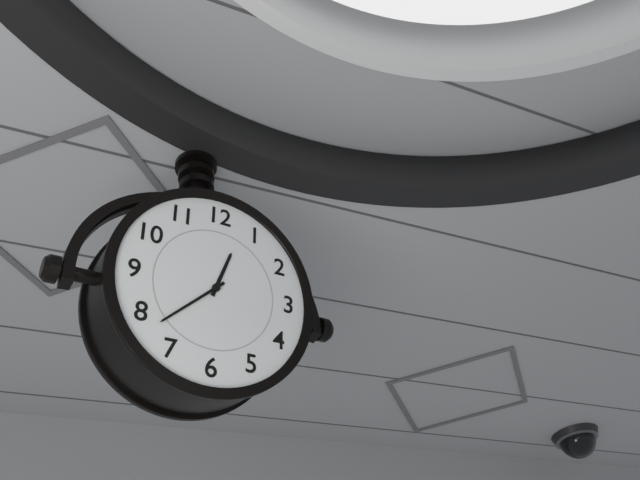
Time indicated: 12:38
